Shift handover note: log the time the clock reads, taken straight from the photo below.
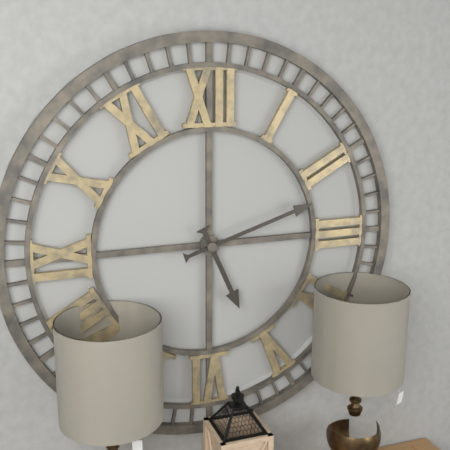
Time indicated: 5:12
